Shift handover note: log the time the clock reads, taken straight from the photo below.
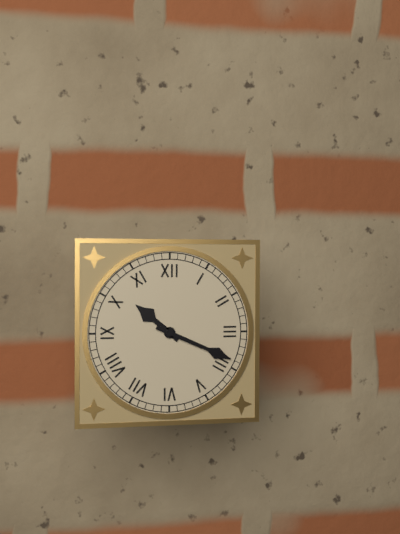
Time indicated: 10:19
